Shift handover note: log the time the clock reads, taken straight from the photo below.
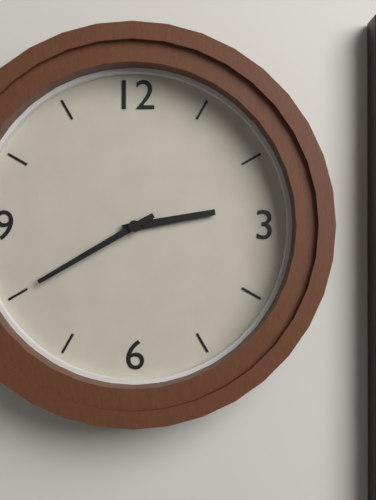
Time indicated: 2:40
